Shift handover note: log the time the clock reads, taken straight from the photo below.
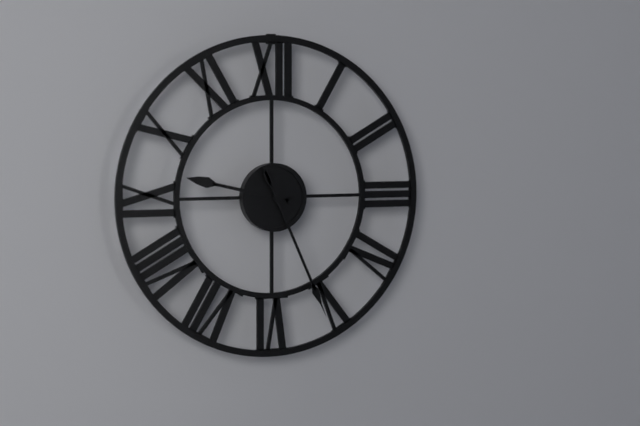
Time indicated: 9:26
